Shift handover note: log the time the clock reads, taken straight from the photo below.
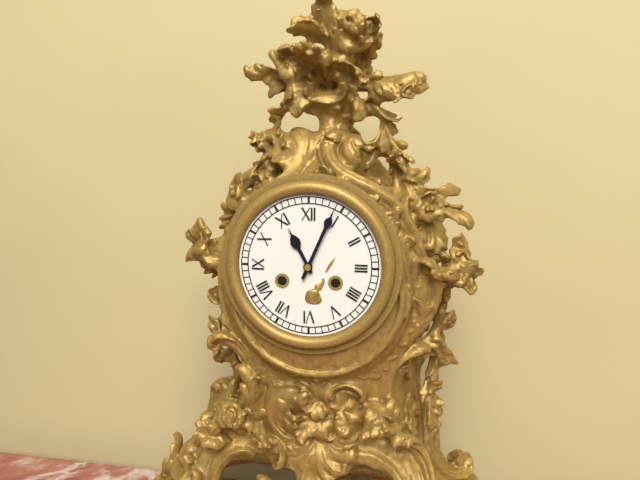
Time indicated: 11:04
